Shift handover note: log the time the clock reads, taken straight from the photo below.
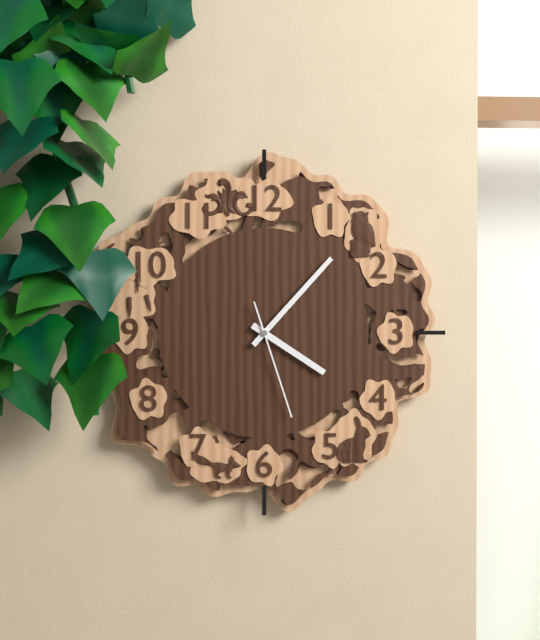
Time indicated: 4:07:27
